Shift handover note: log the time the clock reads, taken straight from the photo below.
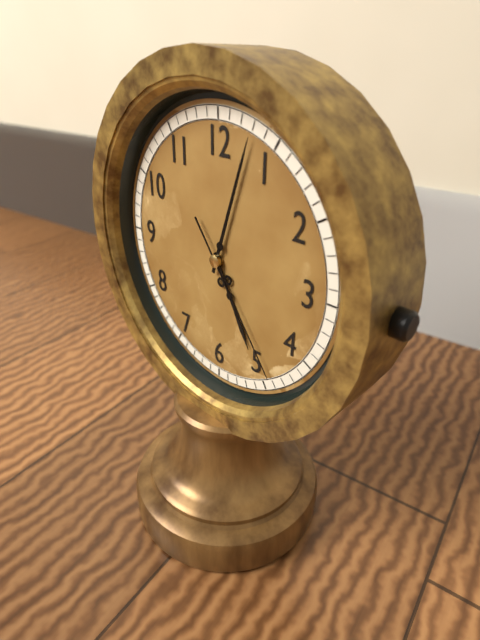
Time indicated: 5:03:24
